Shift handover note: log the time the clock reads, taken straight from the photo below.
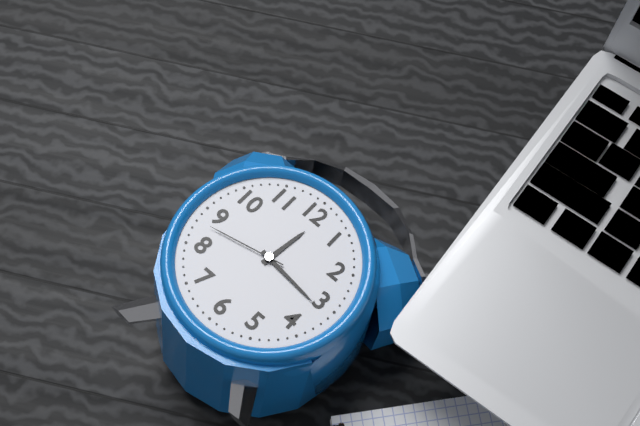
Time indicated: 12:16:43
